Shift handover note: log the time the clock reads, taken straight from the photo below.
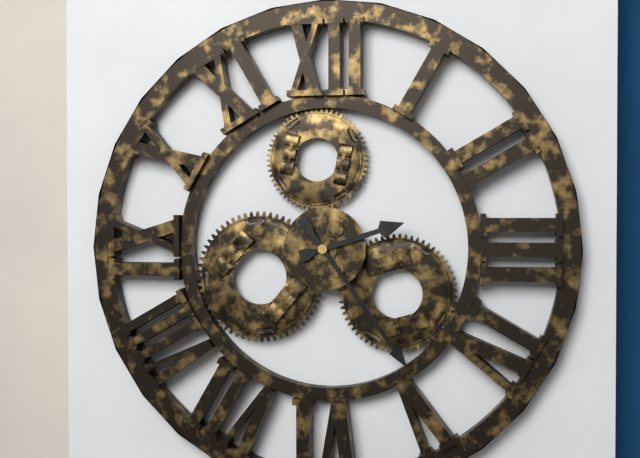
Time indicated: 2:24
